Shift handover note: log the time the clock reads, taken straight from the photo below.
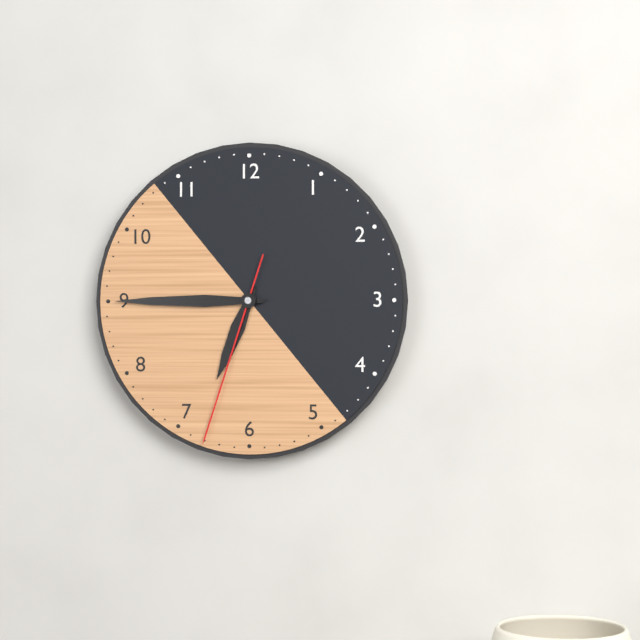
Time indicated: 6:45:33
